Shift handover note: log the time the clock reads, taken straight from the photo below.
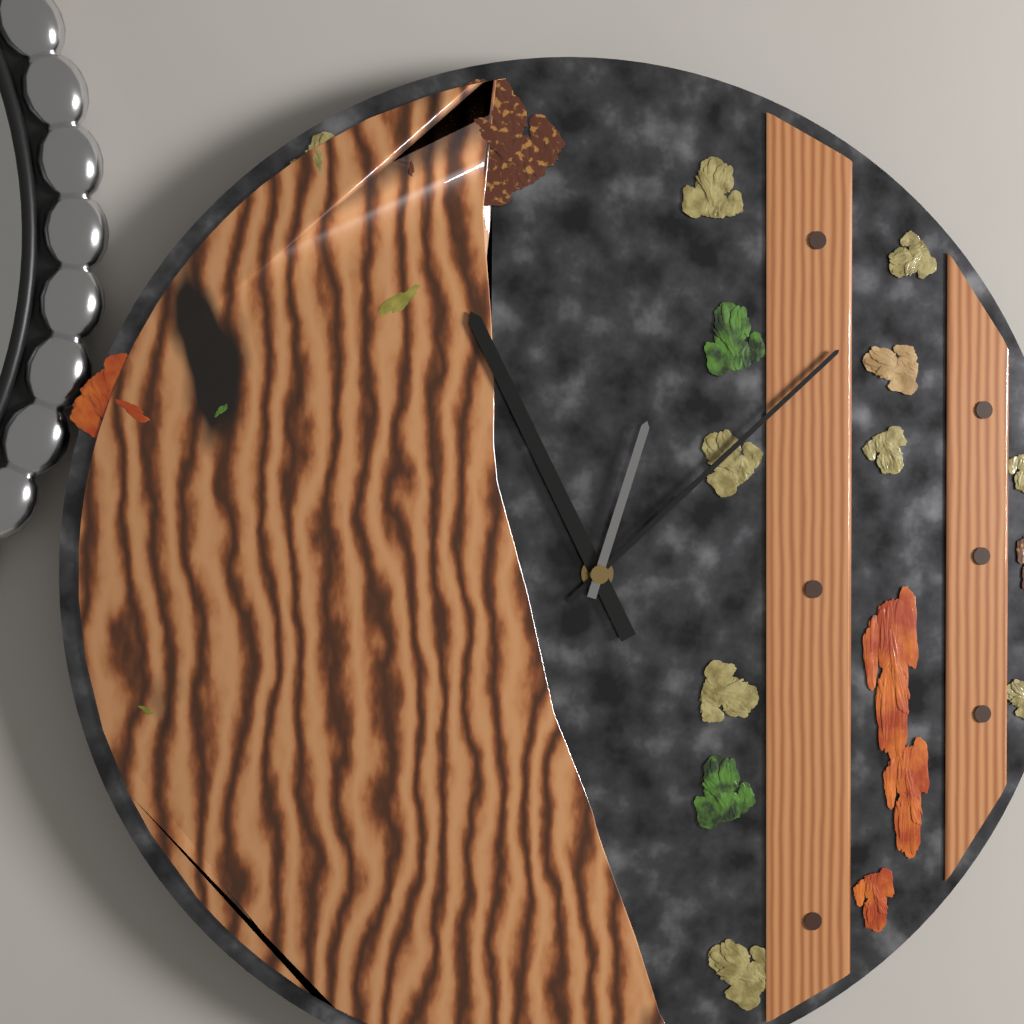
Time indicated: 11:08:03
